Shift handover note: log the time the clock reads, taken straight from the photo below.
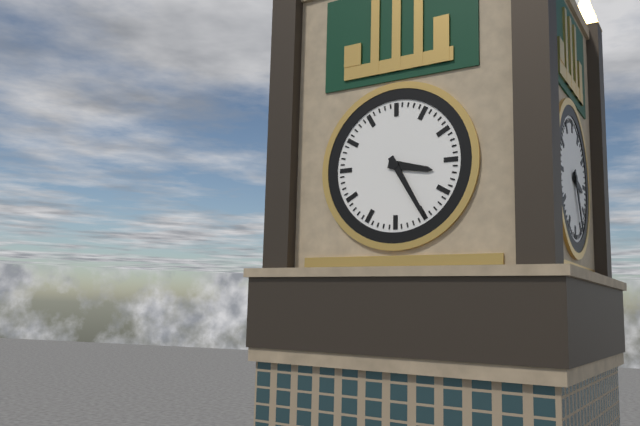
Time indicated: 3:25
